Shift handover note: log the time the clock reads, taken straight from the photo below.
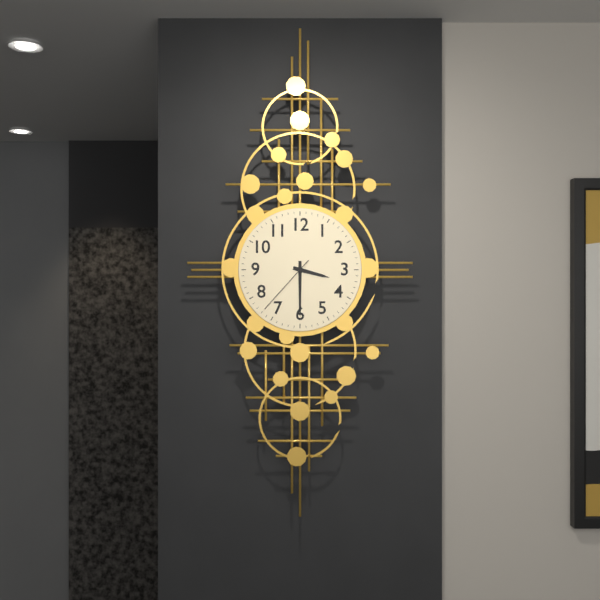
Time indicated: 3:30:37
